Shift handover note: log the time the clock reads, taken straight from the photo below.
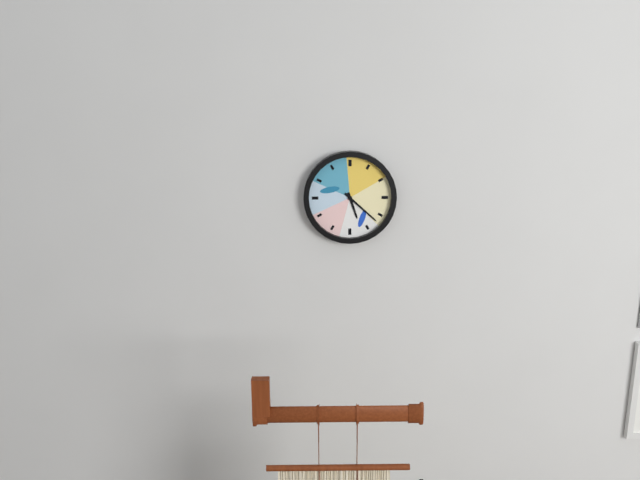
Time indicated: 5:22
